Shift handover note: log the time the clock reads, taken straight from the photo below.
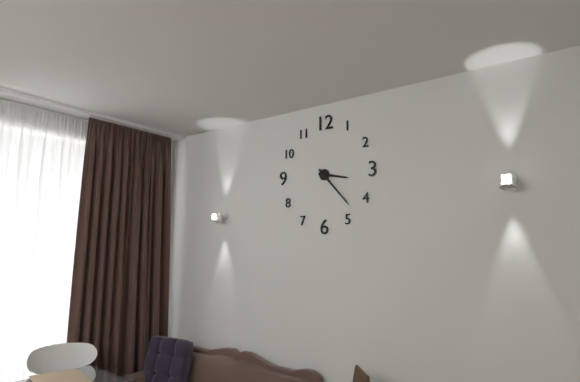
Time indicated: 3:23
